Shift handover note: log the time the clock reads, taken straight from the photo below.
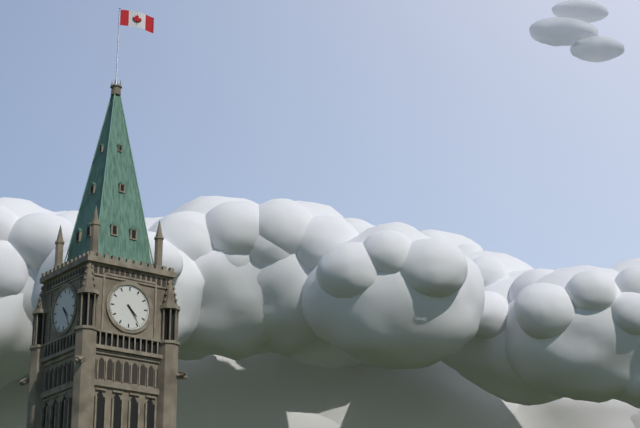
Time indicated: 4:24
